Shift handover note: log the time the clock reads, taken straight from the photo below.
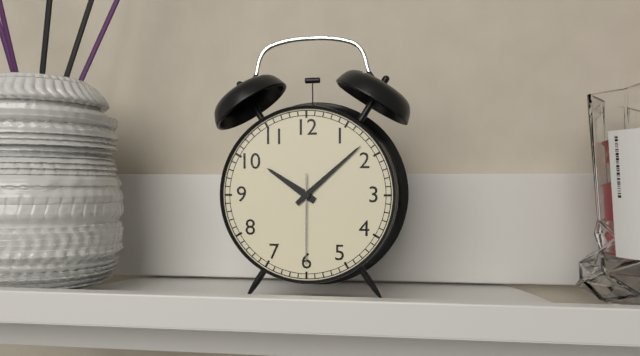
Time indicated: 10:08:30
